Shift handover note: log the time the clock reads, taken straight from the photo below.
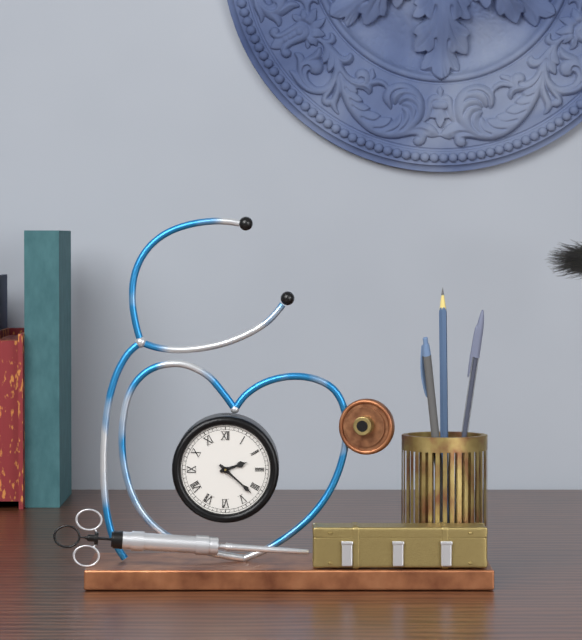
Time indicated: 2:22
